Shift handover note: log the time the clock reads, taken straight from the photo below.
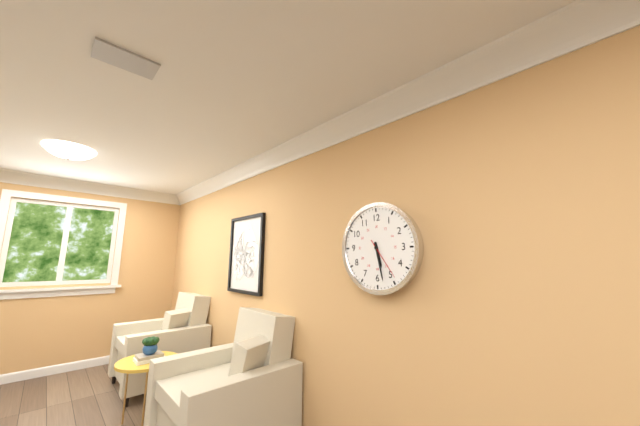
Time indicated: 5:28
